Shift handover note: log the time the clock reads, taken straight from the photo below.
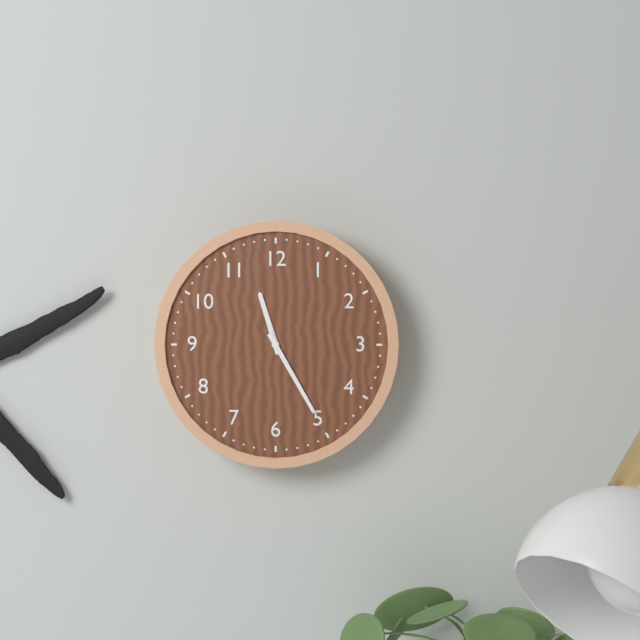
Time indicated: 11:25
